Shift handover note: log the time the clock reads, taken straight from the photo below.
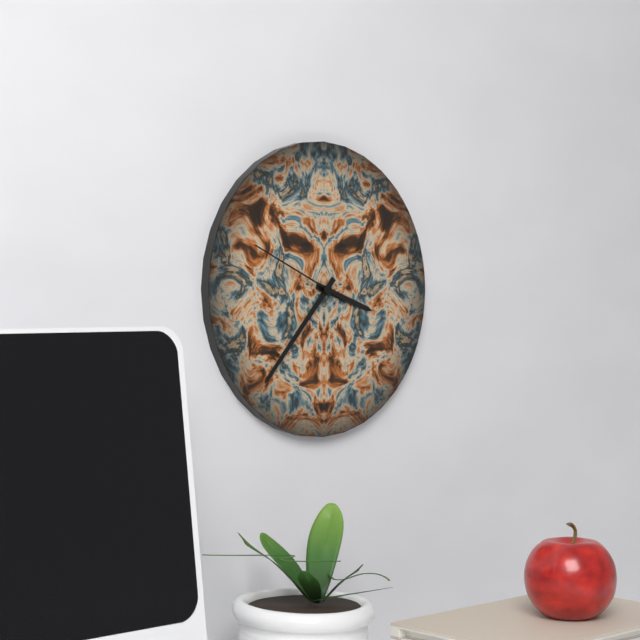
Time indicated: 3:37:49
